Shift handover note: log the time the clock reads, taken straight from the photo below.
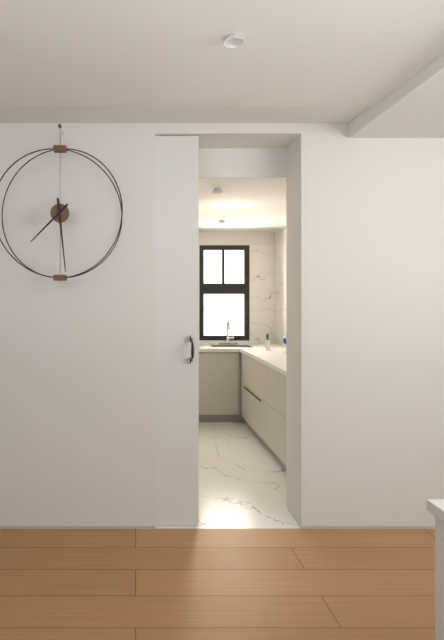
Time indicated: 7:29
